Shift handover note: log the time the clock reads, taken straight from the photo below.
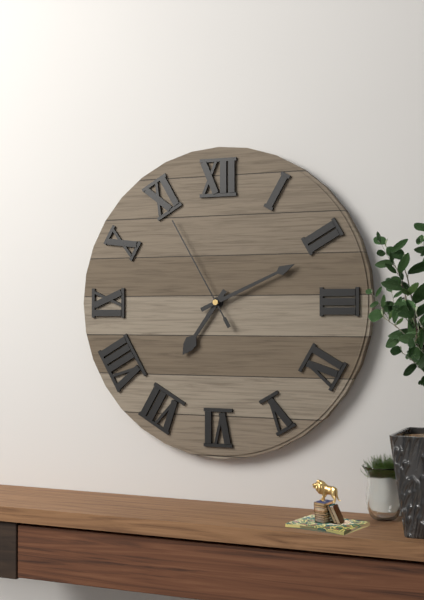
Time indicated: 7:11:55
